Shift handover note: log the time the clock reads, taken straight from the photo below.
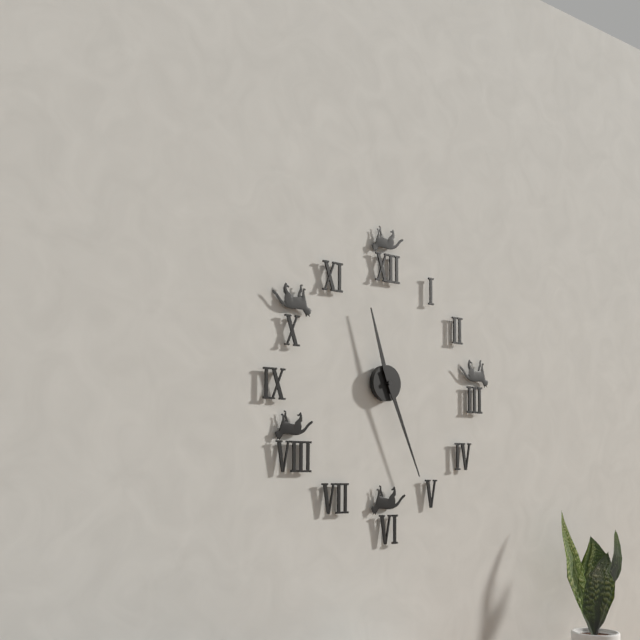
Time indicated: 11:26
